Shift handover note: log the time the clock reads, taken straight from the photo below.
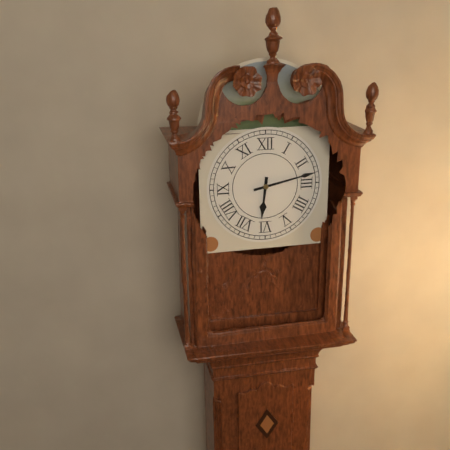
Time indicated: 6:13
